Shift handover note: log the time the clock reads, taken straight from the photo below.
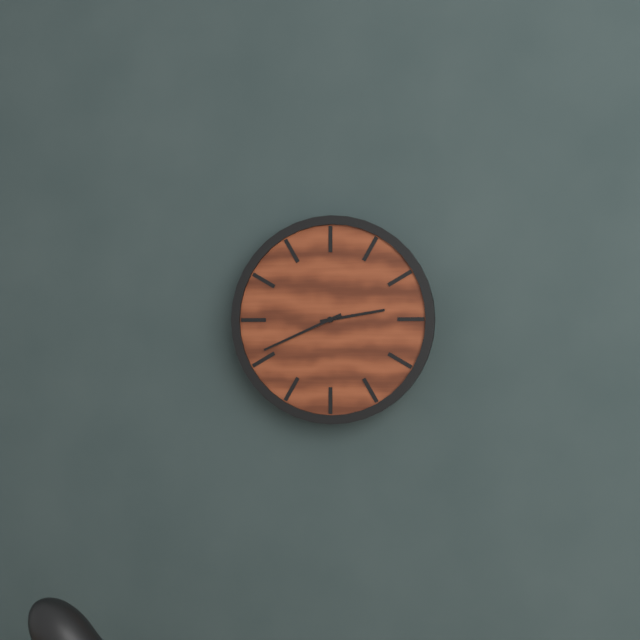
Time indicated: 2:41
